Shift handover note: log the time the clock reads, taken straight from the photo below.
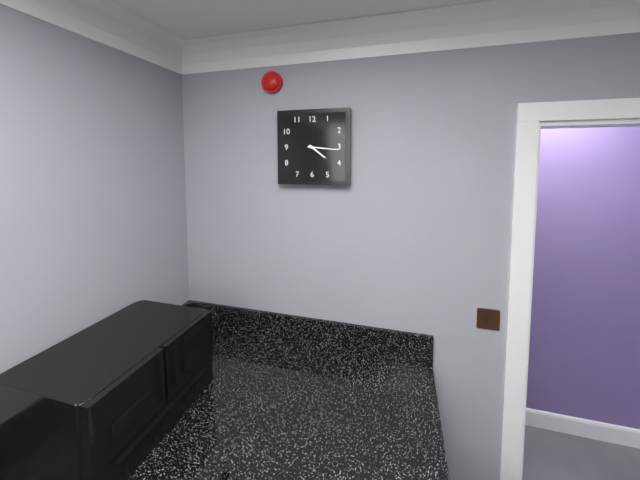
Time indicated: 4:16
